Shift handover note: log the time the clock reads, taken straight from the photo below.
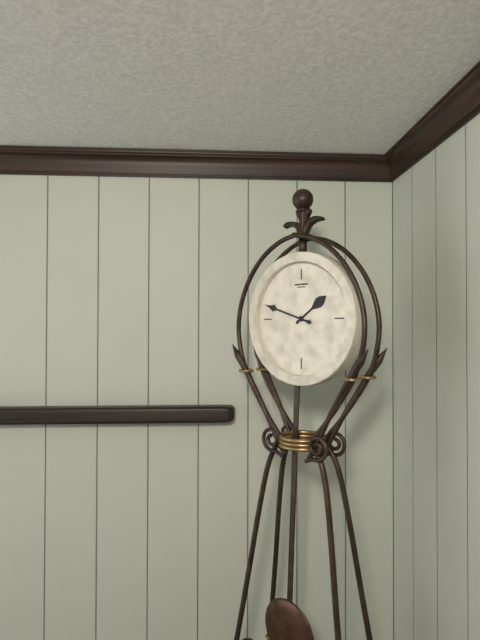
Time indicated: 1:48
